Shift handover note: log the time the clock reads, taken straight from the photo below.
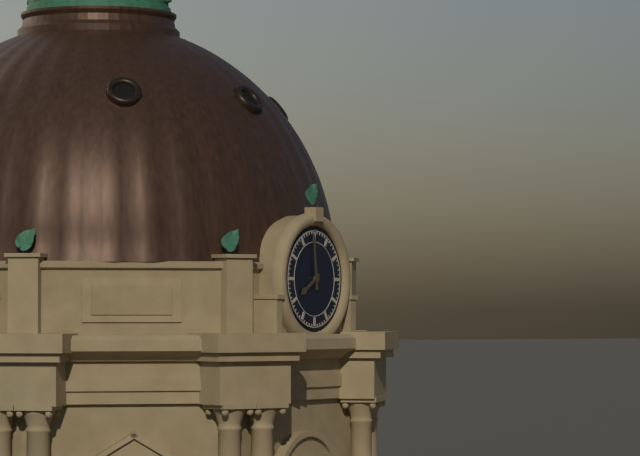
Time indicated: 7:59
